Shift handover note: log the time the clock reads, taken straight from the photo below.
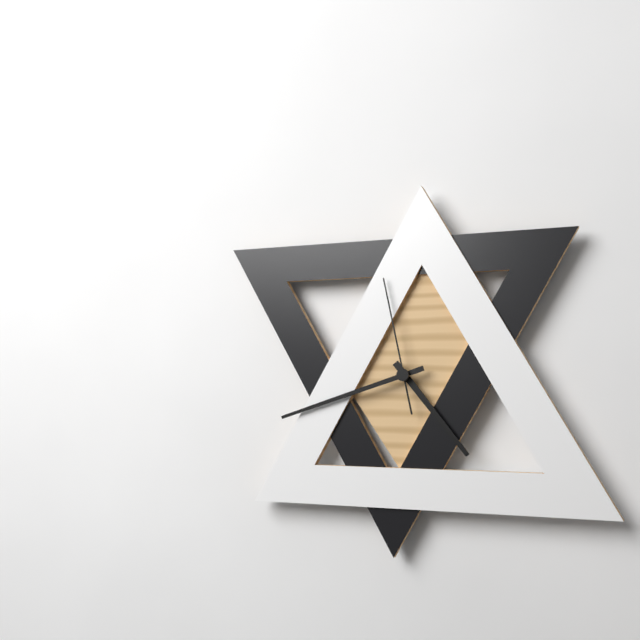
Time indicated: 4:42:58
